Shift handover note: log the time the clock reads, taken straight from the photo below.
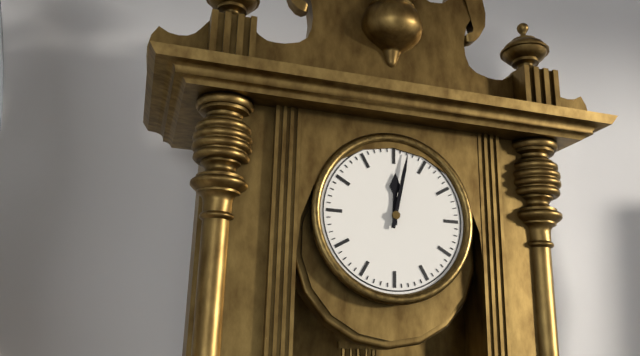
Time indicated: 12:02
